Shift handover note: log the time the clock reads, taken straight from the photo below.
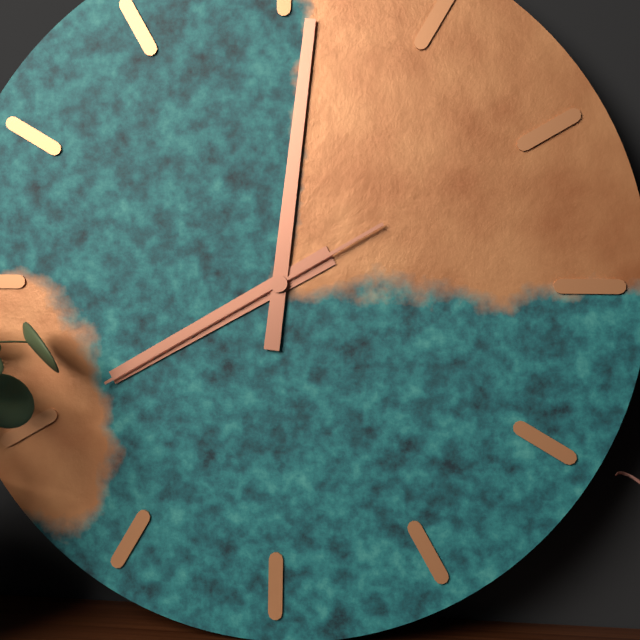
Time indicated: 8:01:40
